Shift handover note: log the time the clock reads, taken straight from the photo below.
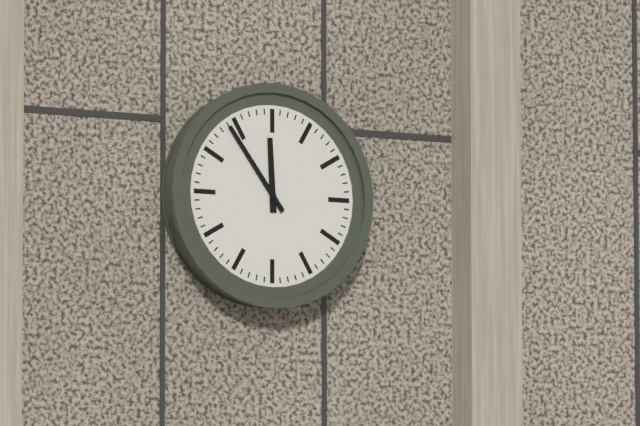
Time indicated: 11:54
